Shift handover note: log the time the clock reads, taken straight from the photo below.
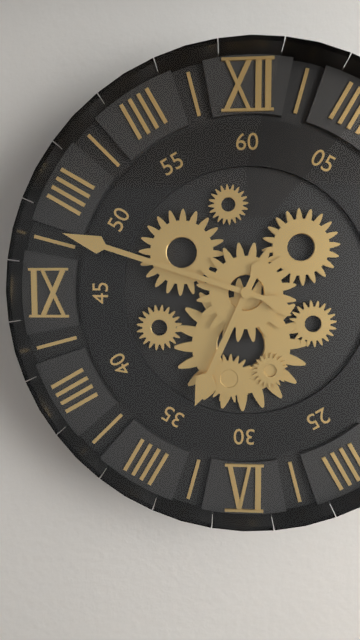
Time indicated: 6:48
